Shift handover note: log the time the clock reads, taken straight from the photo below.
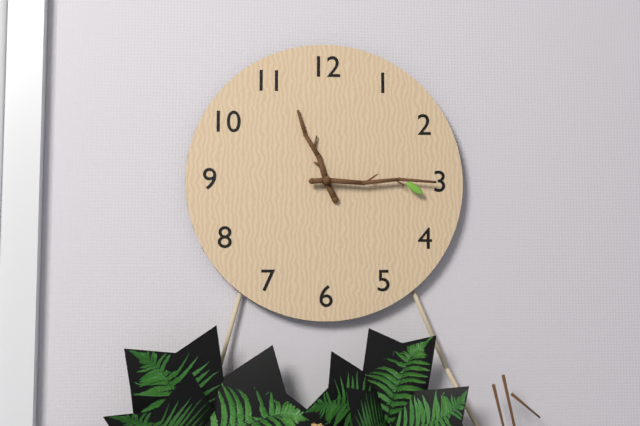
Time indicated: 11:15
